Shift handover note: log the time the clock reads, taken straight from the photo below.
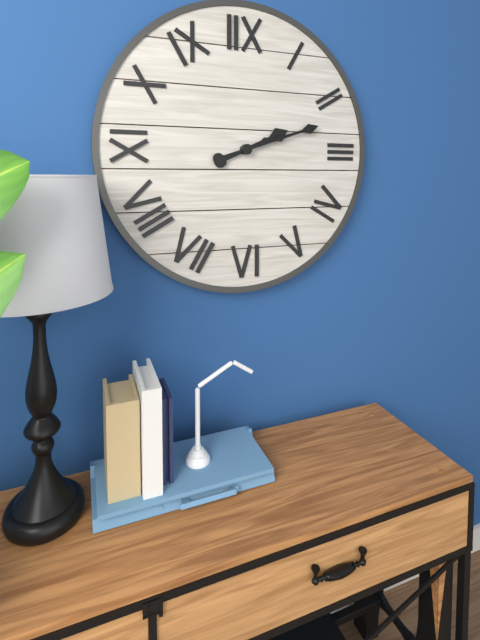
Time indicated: 2:12
